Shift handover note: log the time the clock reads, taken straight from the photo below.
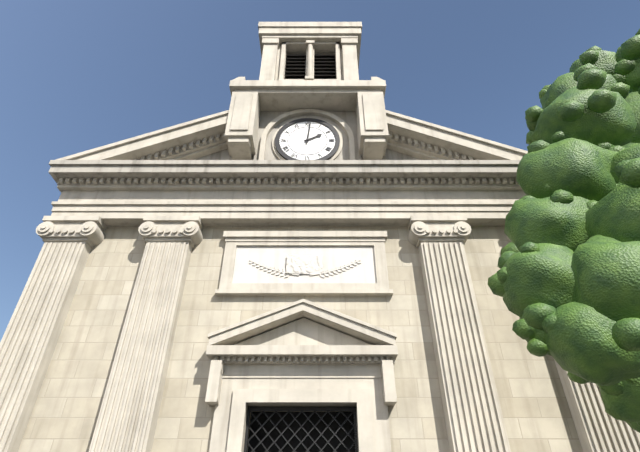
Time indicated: 2:01
